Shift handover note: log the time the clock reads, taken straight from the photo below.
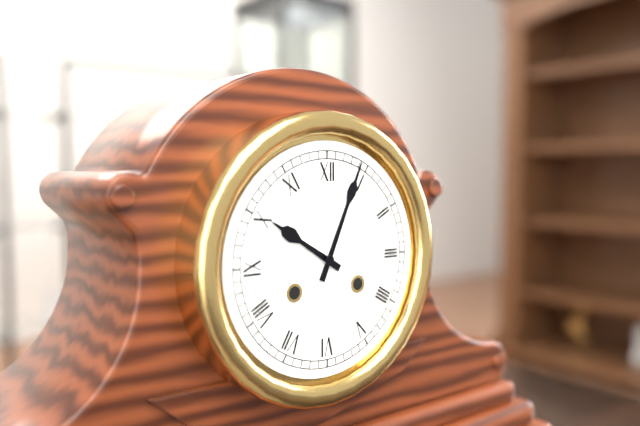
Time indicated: 10:04
